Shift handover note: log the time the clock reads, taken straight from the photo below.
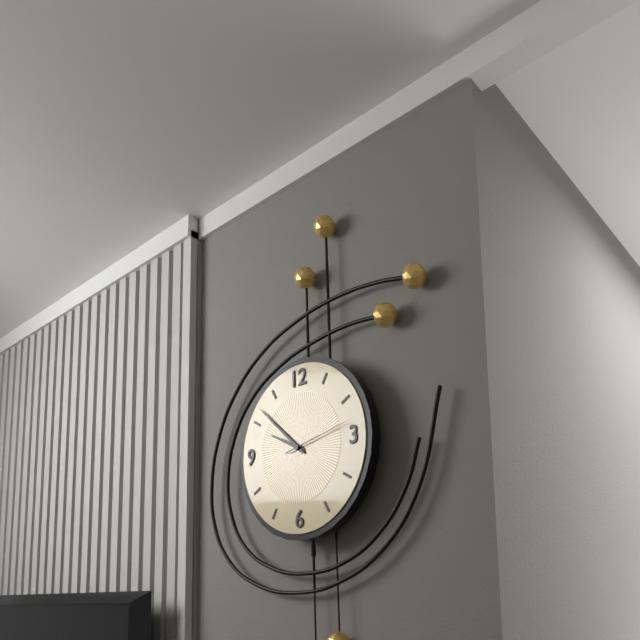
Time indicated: 9:52:13
